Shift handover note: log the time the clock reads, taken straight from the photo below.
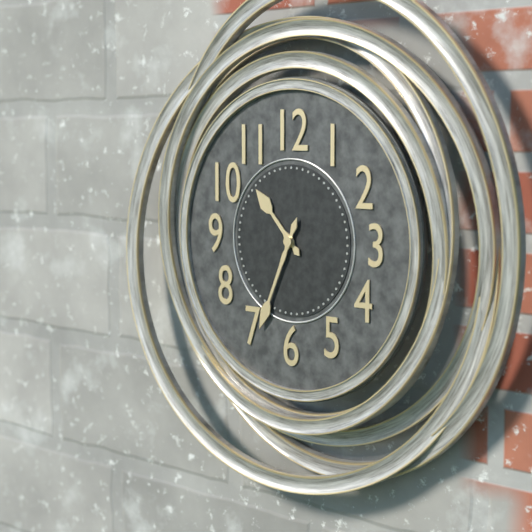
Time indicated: 10:34
